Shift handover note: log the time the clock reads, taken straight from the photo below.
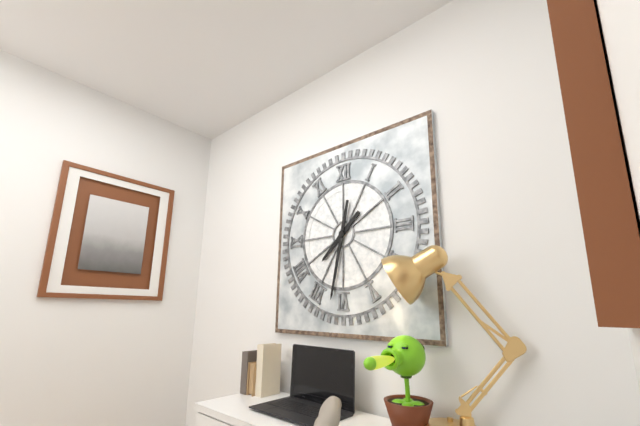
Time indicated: 7:32
